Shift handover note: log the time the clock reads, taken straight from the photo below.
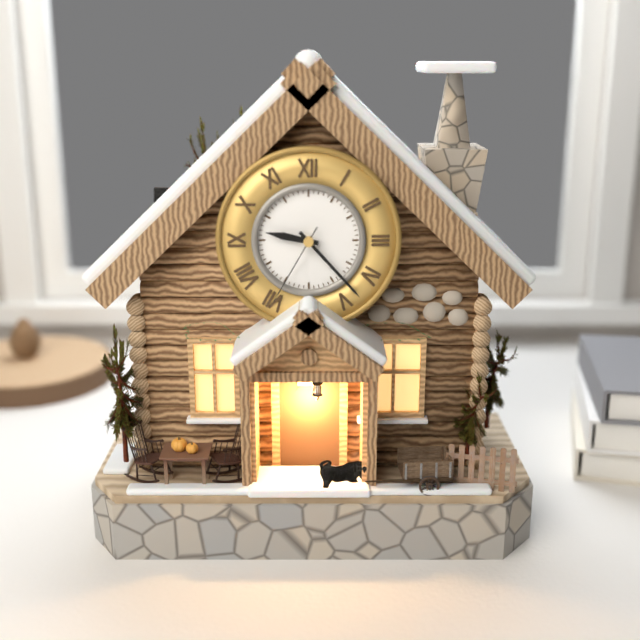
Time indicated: 9:23:35
